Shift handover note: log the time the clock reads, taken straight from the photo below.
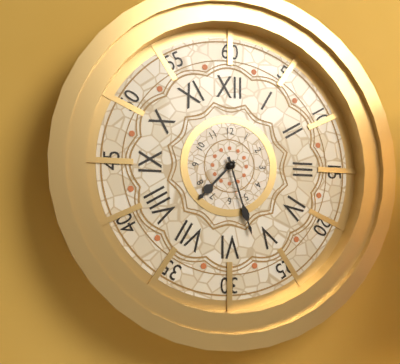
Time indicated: 7:27
